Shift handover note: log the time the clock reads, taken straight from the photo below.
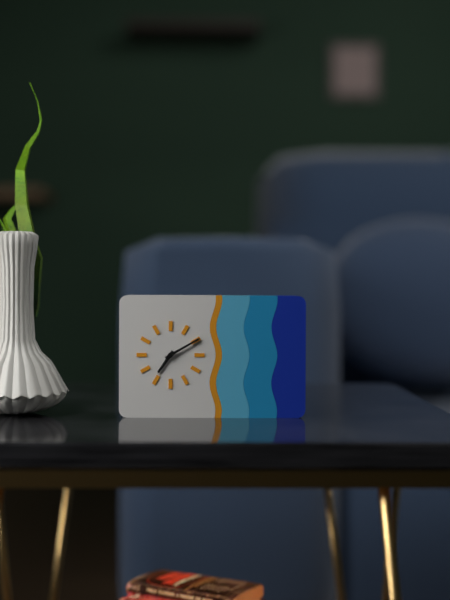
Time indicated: 7:10
